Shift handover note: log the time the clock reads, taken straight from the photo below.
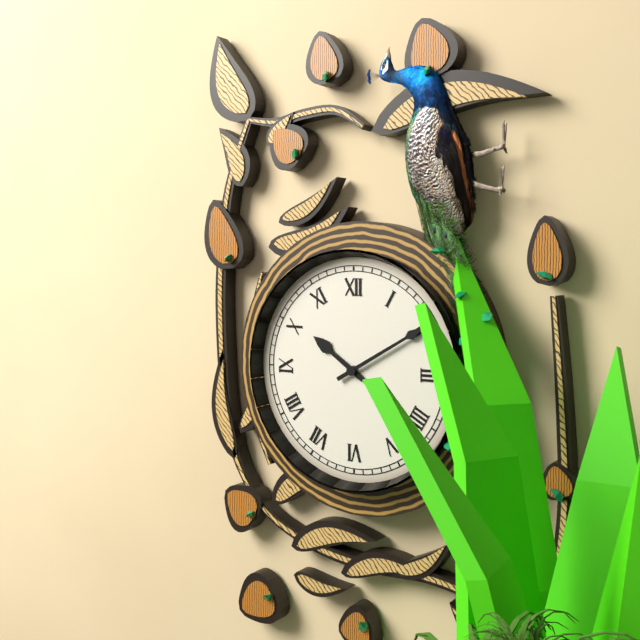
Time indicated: 10:10
